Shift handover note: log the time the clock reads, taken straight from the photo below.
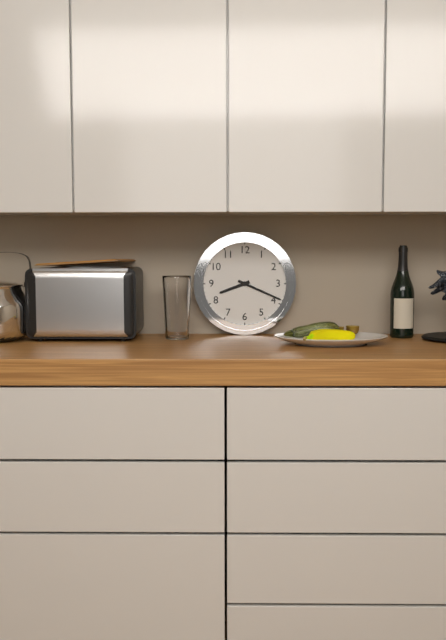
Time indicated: 8:19
